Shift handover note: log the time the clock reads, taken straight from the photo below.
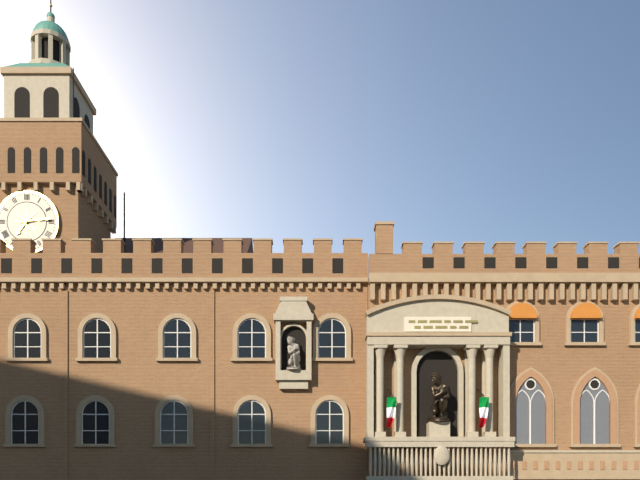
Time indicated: 7:14
